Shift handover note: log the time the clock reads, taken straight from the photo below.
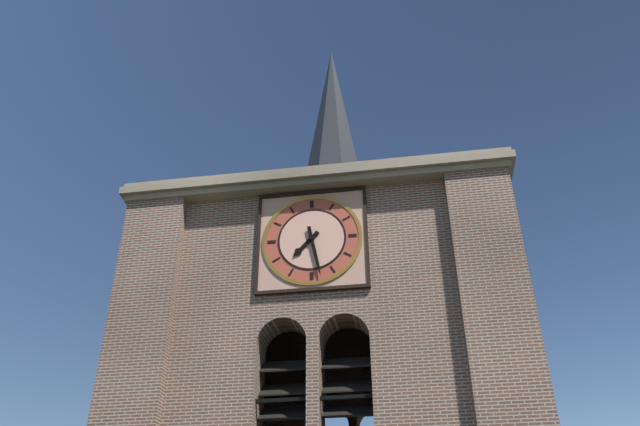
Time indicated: 7:28
